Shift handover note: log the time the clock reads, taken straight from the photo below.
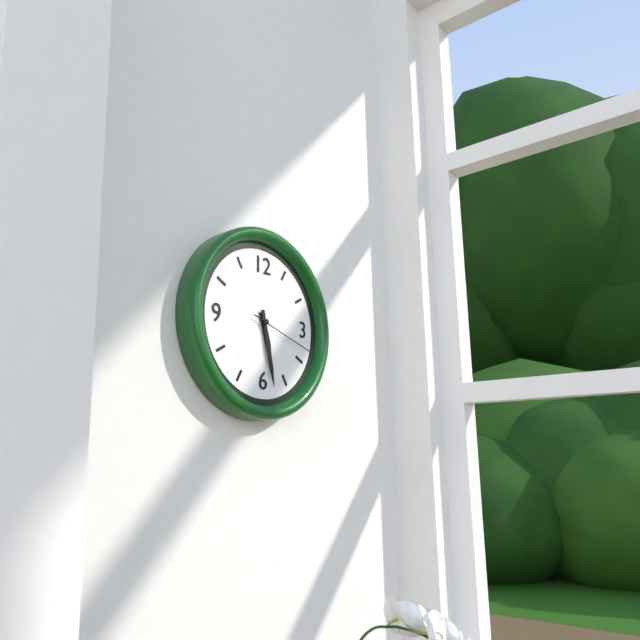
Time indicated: 5:28:18
